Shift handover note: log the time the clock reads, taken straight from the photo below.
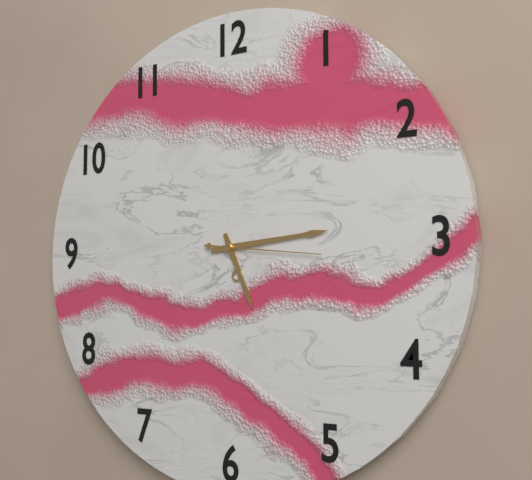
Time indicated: 5:14:16
